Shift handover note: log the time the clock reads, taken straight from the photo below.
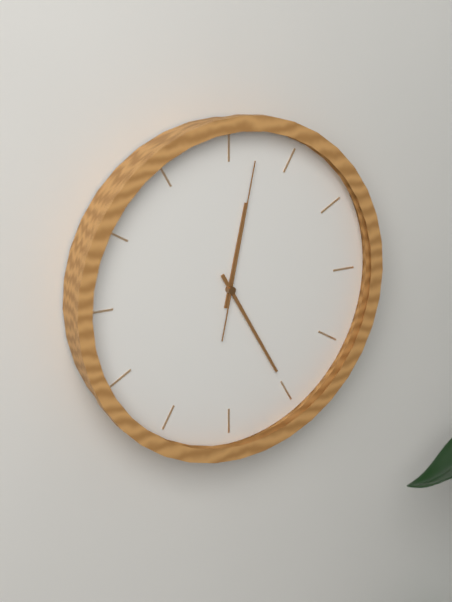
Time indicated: 12:25:02
